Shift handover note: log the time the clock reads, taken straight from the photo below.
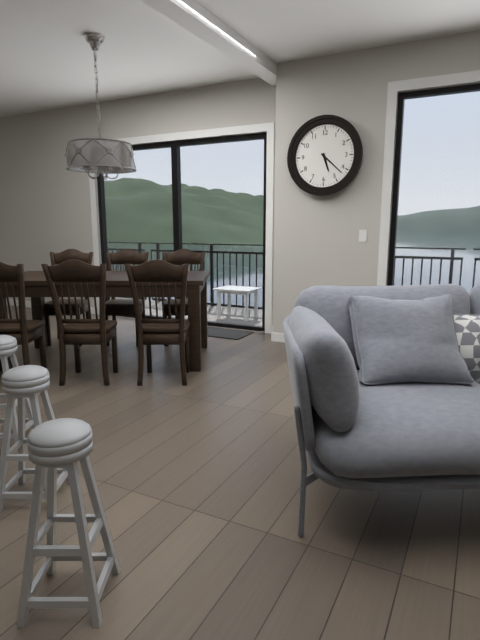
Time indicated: 5:22
